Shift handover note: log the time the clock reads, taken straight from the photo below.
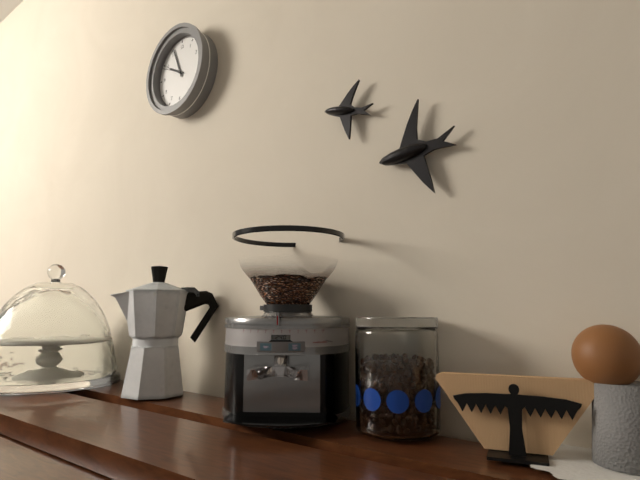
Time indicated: 9:56
